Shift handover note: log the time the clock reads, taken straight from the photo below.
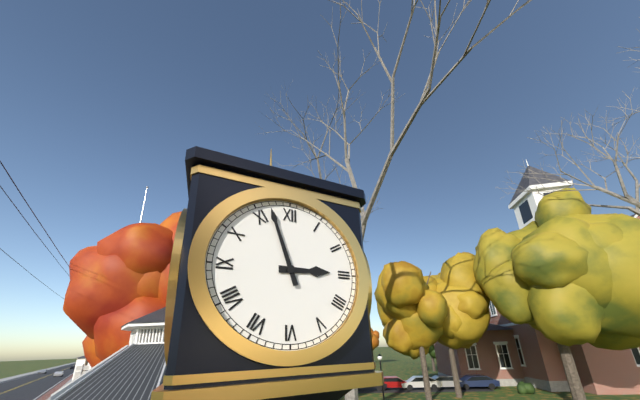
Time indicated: 2:57
